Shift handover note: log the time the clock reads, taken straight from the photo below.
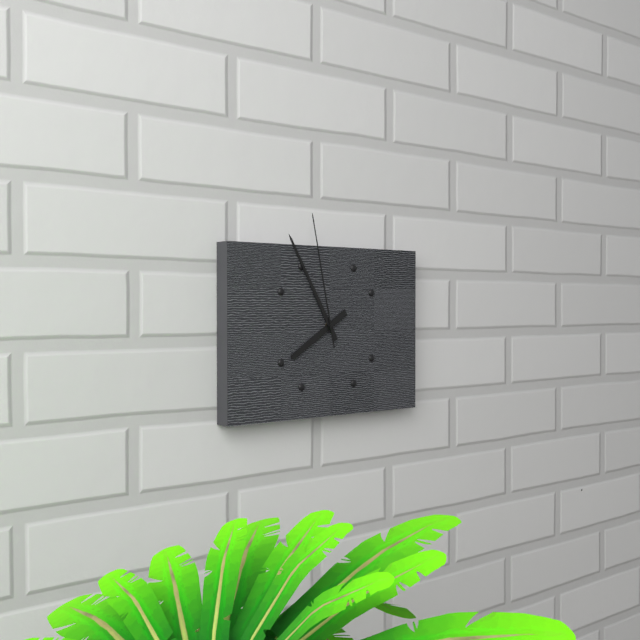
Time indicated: 7:55:58
